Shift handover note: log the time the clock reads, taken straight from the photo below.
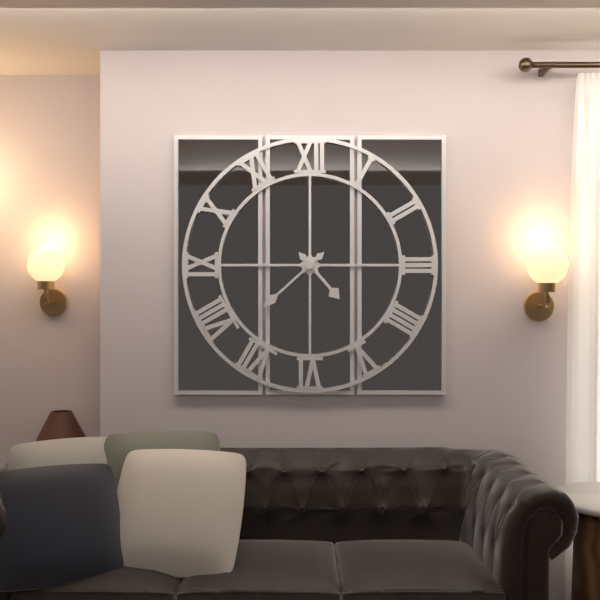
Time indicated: 4:38
